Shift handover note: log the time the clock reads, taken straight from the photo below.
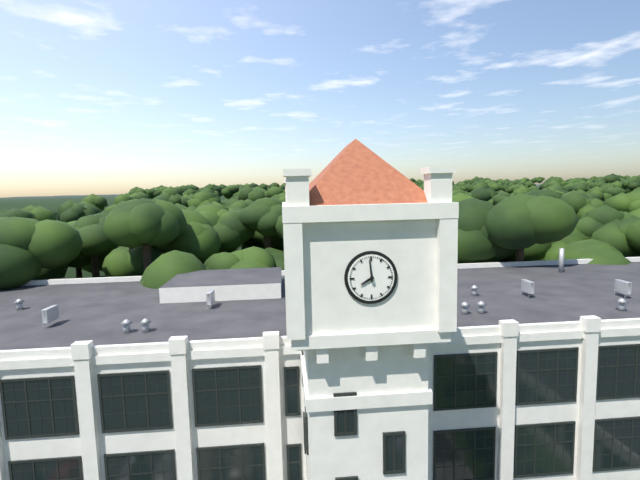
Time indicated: 7:59
